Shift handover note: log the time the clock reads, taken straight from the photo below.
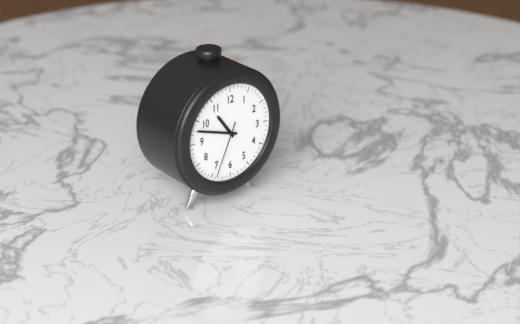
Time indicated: 10:48:34
